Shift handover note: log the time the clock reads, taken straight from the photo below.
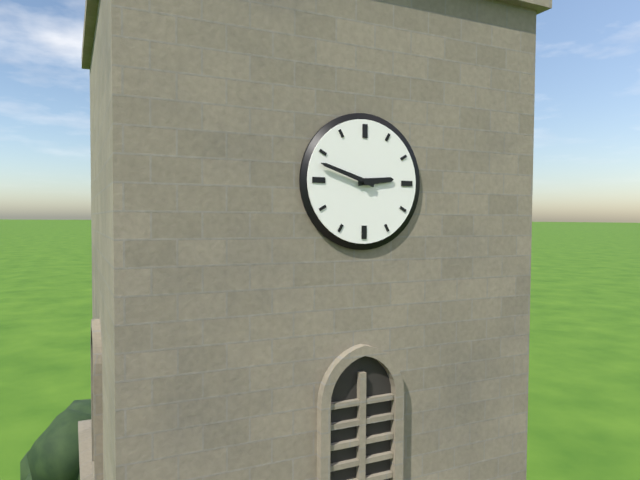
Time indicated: 2:48
